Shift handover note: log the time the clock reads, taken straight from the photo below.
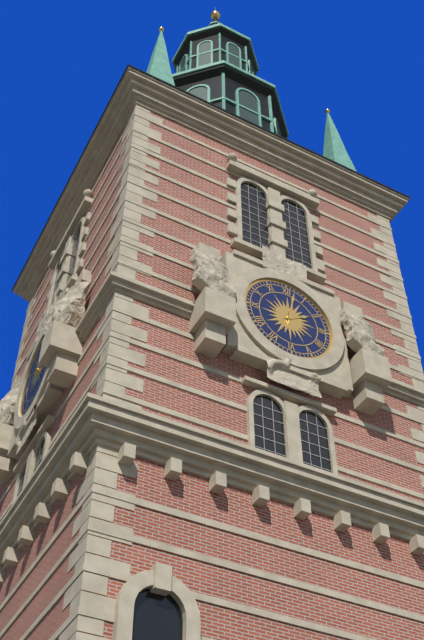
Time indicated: 2:02
